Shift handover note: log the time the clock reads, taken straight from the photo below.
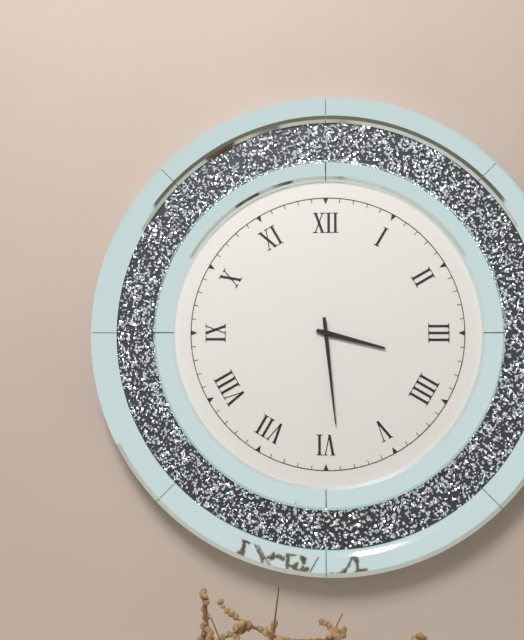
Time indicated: 3:29
